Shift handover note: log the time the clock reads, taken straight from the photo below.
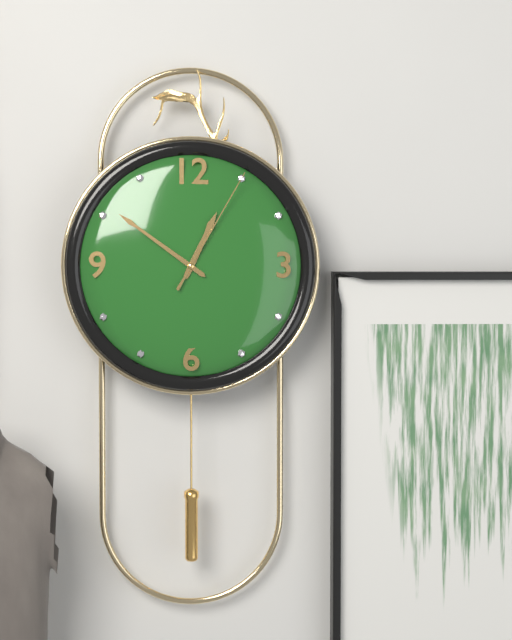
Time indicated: 12:51:05
